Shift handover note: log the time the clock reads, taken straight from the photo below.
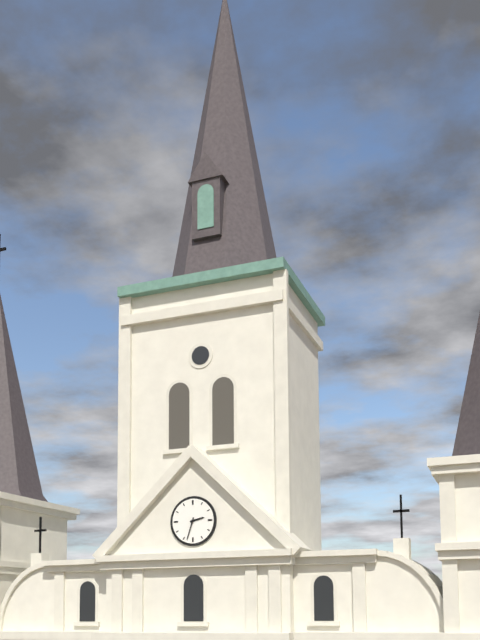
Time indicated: 2:33
